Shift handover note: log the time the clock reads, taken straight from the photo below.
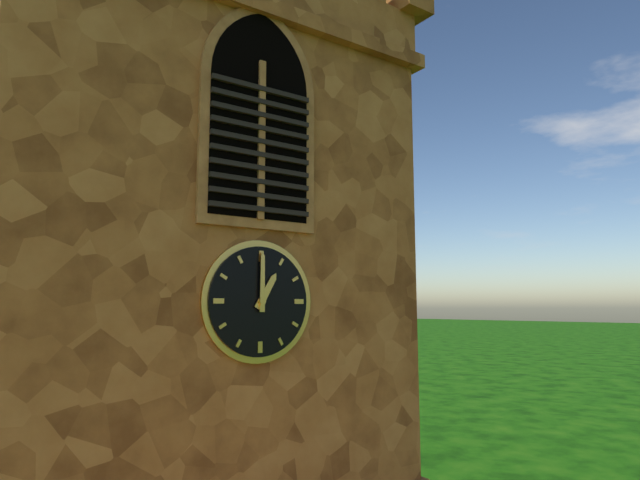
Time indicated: 1:00
